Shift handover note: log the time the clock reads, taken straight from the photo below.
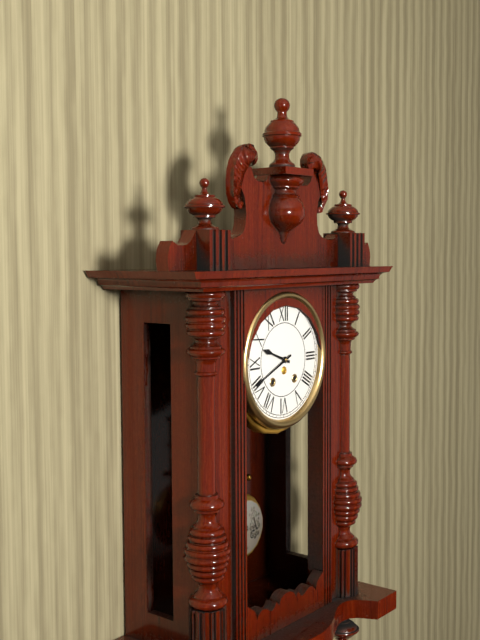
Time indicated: 9:41
